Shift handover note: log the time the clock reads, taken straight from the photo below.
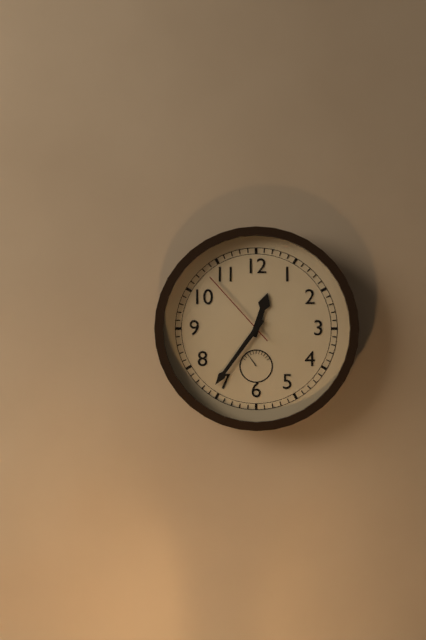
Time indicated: 12:36:53
